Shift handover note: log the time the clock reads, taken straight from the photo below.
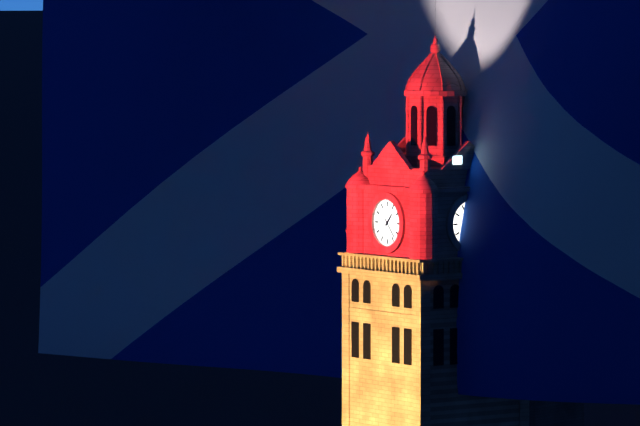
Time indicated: 1:23
